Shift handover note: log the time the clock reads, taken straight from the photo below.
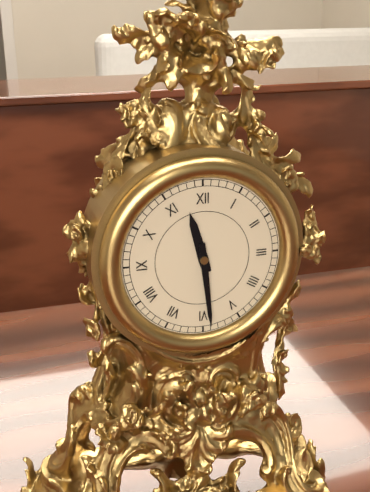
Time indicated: 11:29
